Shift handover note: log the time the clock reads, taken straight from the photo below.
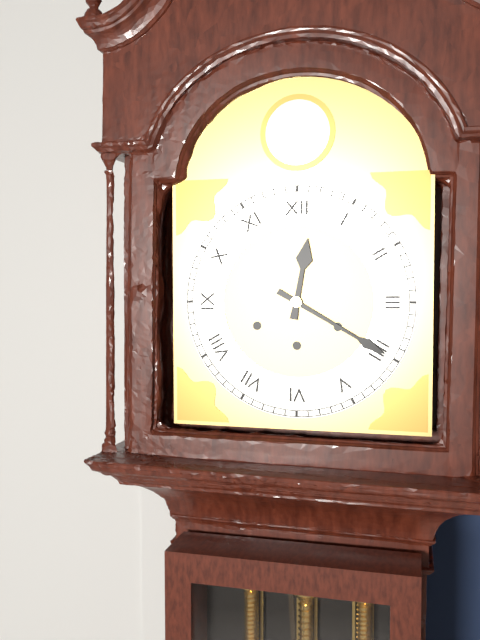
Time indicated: 12:20
